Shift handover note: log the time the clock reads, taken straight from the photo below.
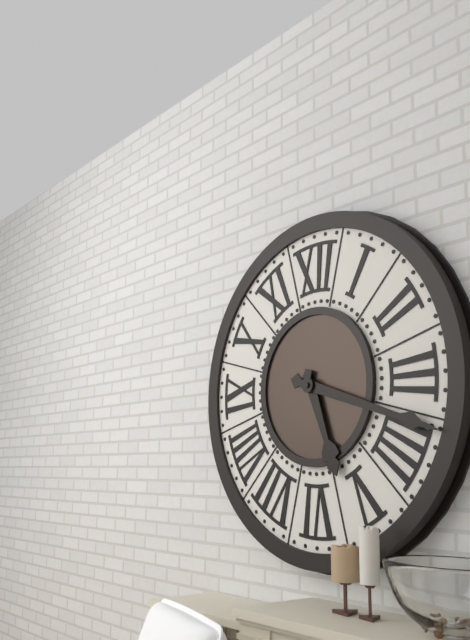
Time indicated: 5:18
